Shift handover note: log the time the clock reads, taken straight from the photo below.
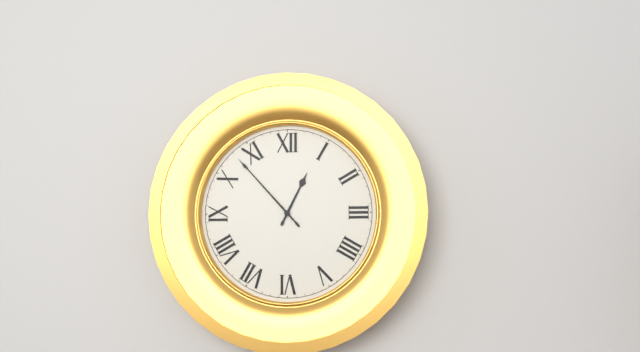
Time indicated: 12:53
